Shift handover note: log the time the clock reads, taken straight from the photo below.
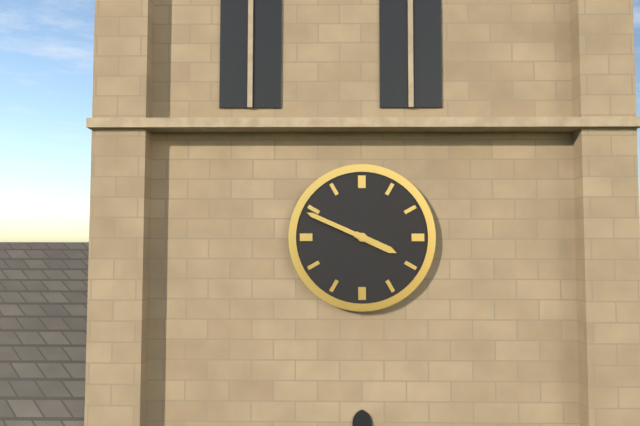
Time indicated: 3:49
